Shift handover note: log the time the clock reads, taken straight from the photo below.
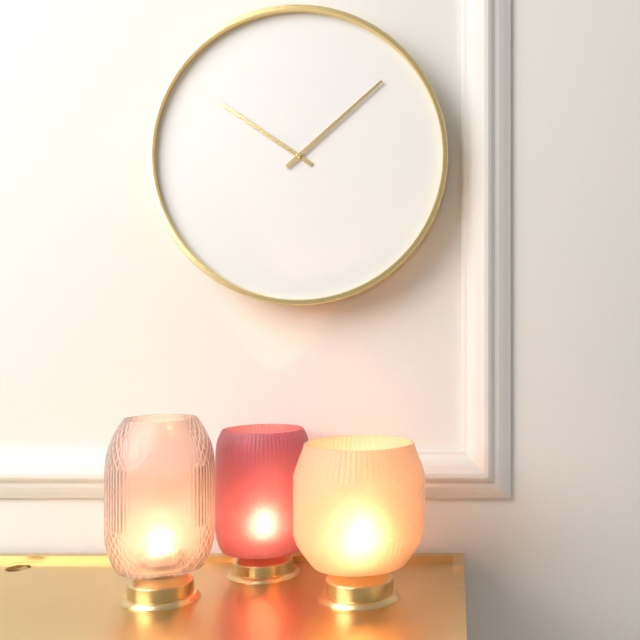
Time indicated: 10:08
